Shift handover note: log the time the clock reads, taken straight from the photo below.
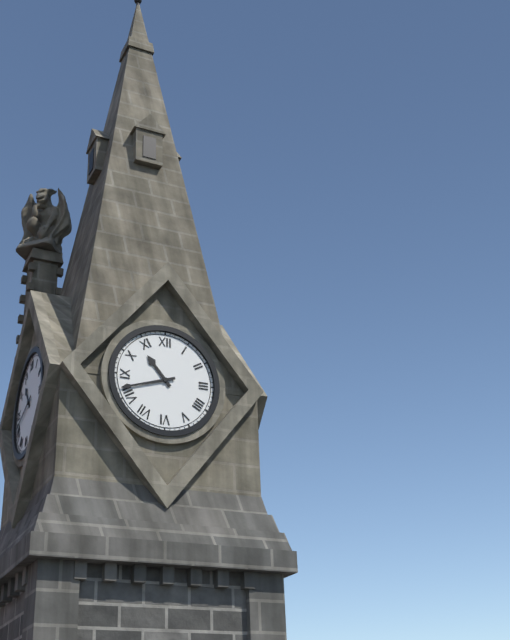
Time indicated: 10:42
